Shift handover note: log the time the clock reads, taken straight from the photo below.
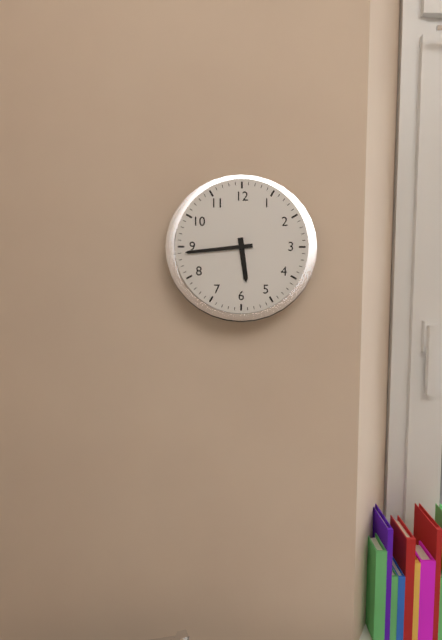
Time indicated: 5:44
